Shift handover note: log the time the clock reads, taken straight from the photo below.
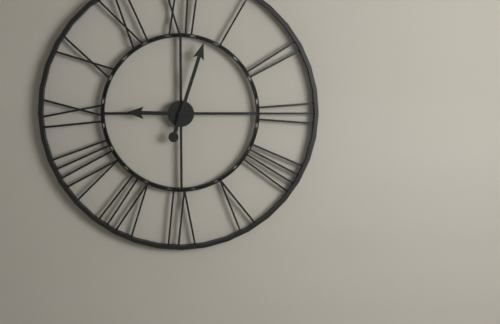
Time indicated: 9:03
